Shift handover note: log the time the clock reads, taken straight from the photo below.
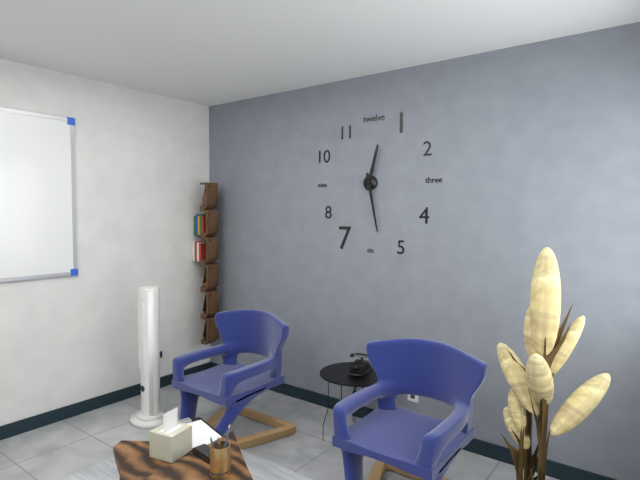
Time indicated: 12:28
